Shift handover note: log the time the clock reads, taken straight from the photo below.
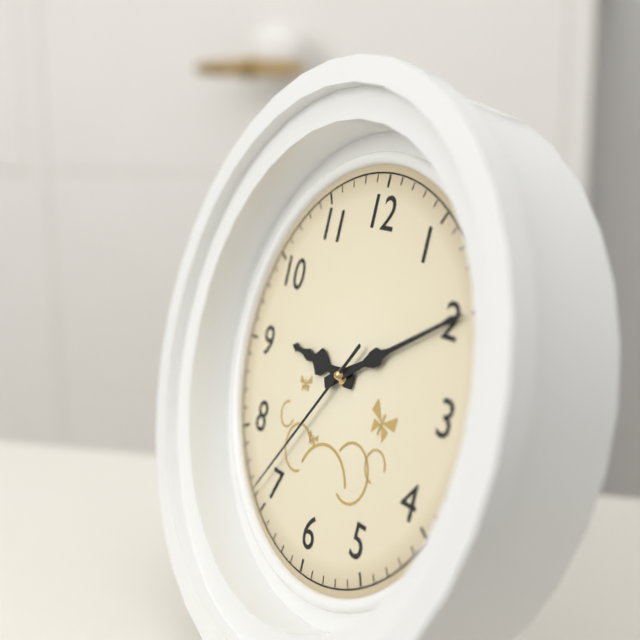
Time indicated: 9:10:36
